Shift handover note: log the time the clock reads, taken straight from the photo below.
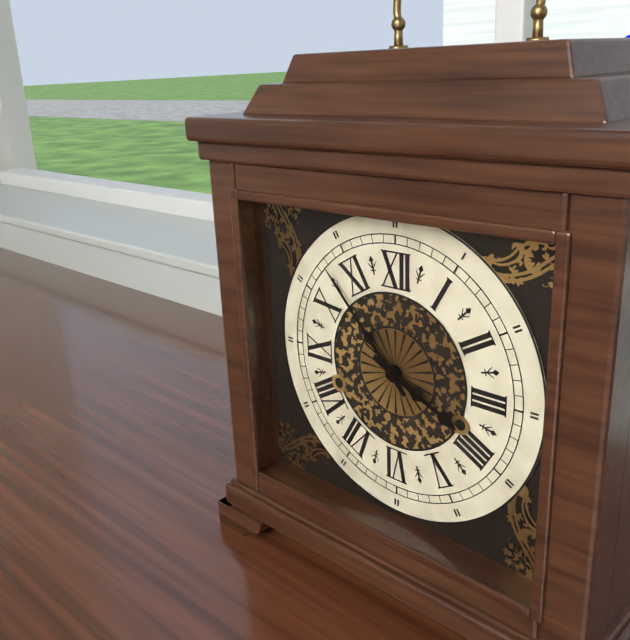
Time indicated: 3:53
